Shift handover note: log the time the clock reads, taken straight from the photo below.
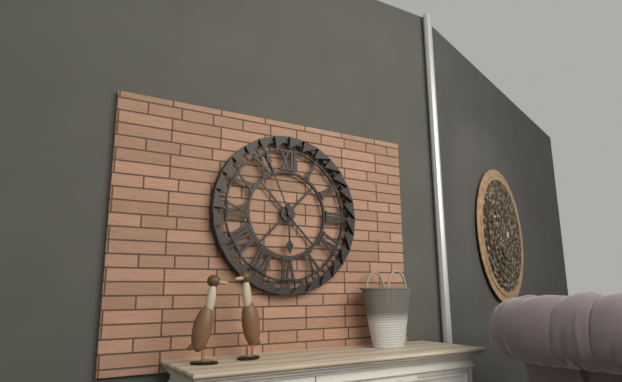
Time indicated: 5:56
